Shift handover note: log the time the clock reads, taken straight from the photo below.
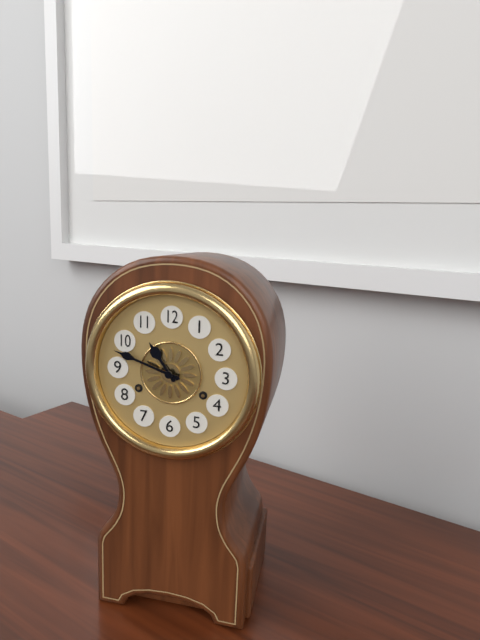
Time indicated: 10:48
